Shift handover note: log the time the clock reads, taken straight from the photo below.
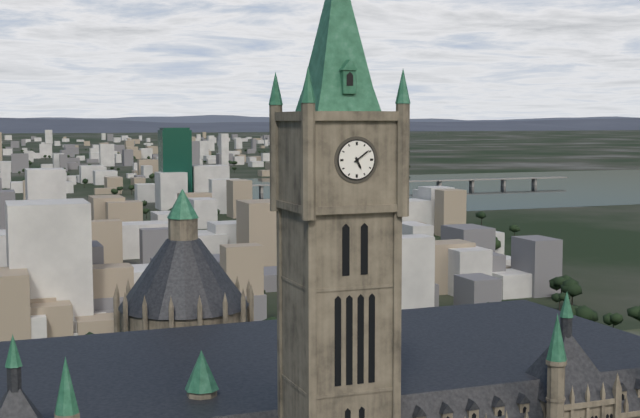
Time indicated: 5:09
